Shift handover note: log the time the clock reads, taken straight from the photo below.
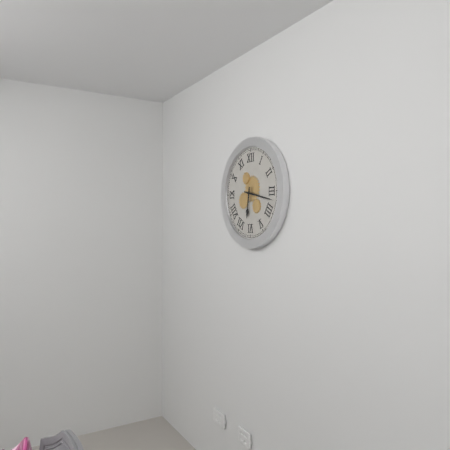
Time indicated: 6:17
